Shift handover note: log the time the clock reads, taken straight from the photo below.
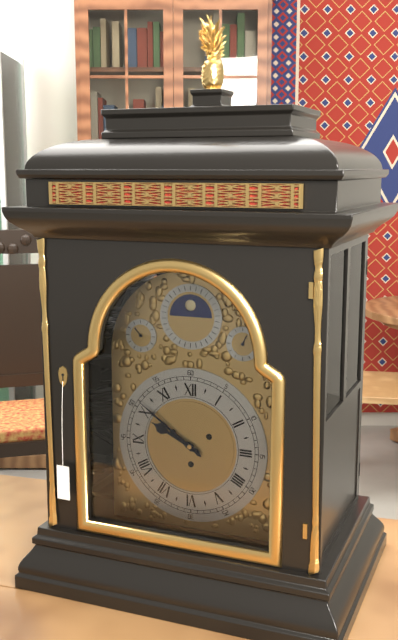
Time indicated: 9:51
